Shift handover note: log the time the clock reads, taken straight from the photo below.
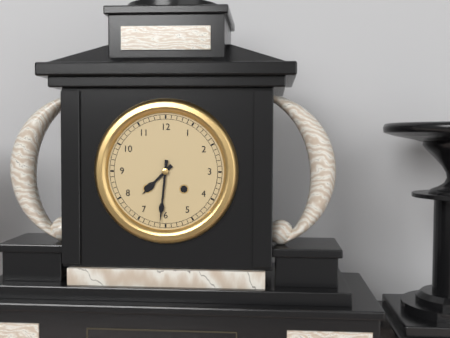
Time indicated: 7:31
